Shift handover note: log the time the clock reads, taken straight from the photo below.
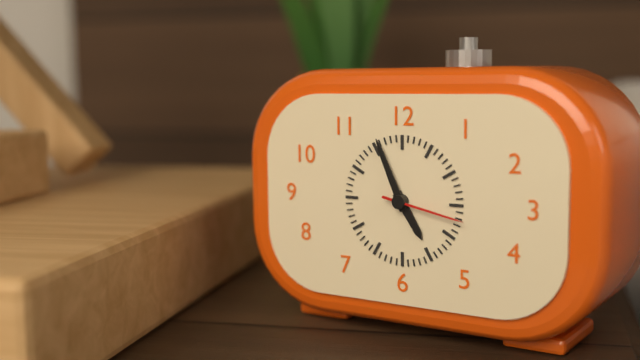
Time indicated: 4:56:17
